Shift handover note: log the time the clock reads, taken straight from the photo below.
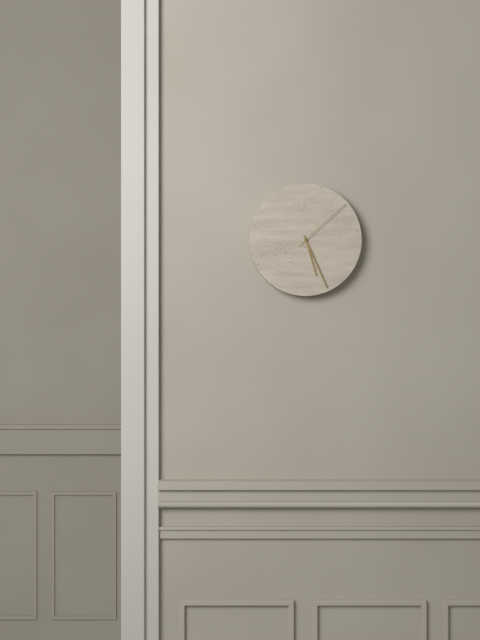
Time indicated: 5:26:08
